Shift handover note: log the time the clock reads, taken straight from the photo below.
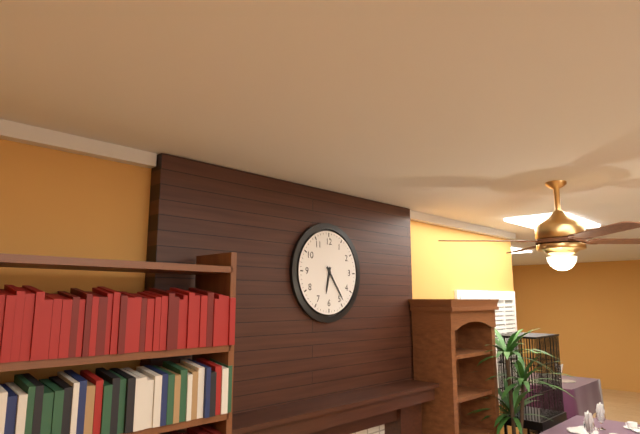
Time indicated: 6:24
